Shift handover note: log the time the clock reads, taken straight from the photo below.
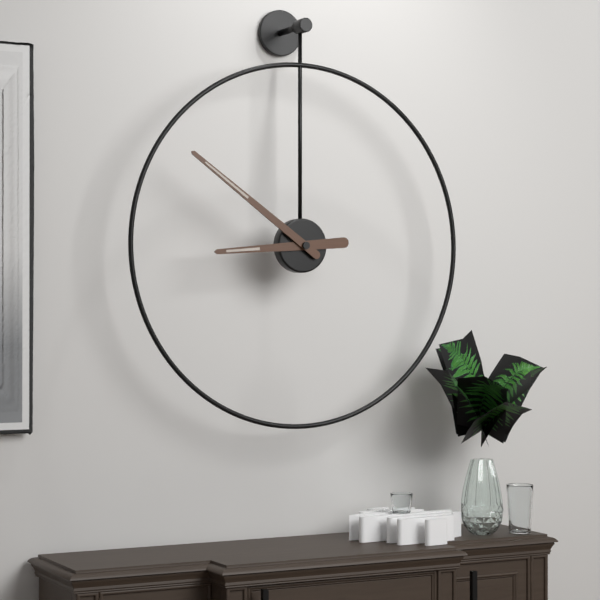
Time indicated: 8:51
